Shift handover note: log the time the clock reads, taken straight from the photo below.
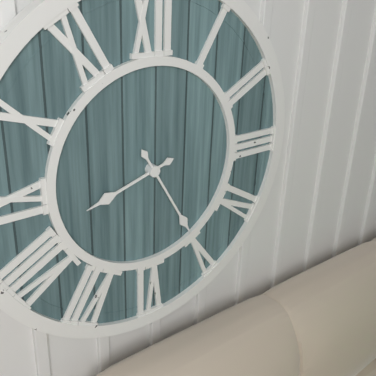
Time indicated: 8:25
